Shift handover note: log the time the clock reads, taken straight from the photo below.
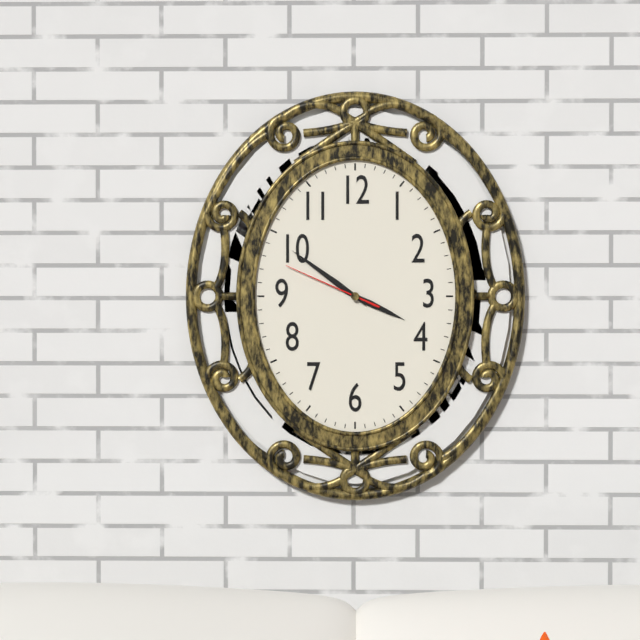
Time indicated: 3:51:49
